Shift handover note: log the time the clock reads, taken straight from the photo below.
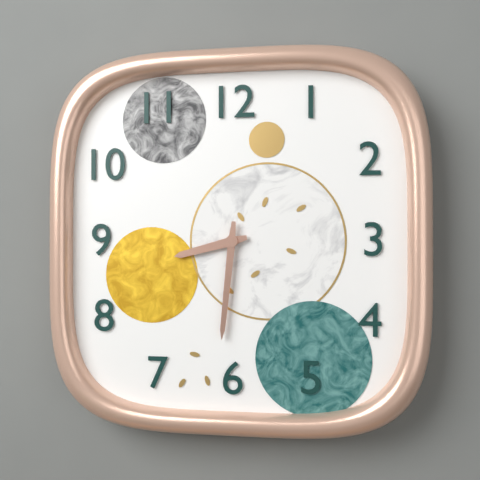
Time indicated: 8:31
